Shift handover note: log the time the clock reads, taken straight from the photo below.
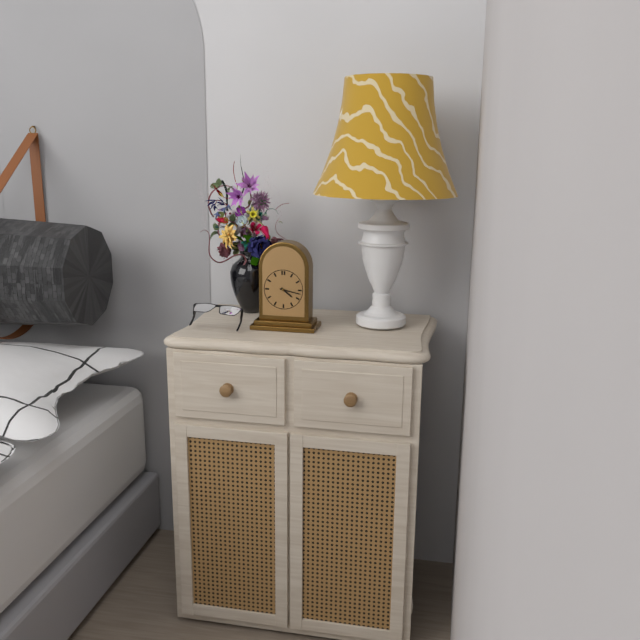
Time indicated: 4:17
